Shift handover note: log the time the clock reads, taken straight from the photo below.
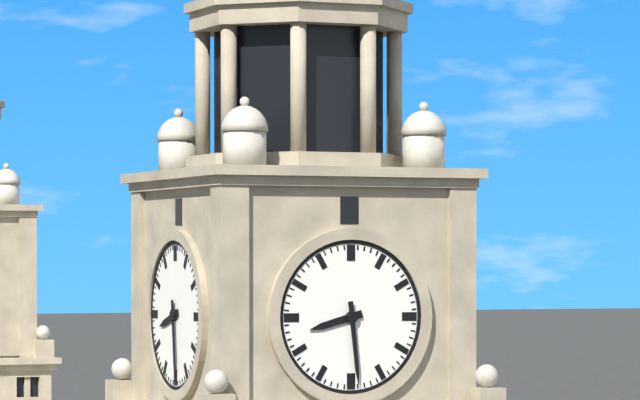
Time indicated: 8:29
